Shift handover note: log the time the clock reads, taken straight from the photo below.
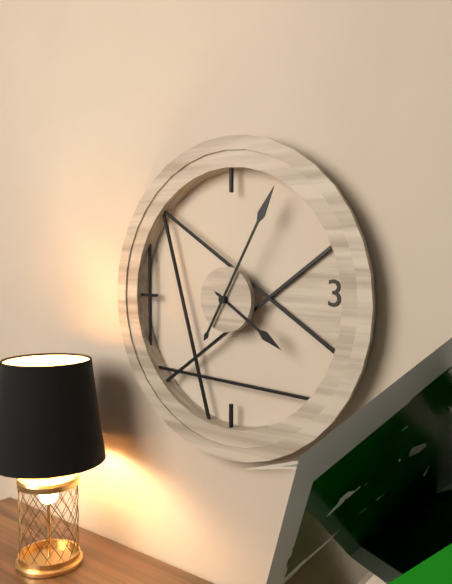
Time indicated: 4:05
